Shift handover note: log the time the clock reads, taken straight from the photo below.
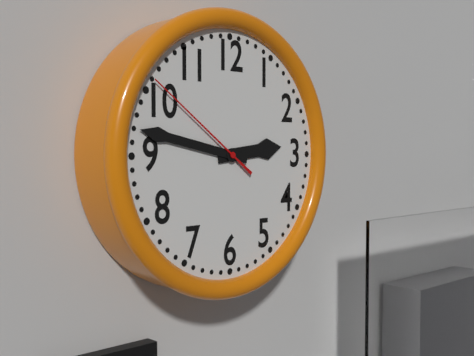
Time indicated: 2:47:51
